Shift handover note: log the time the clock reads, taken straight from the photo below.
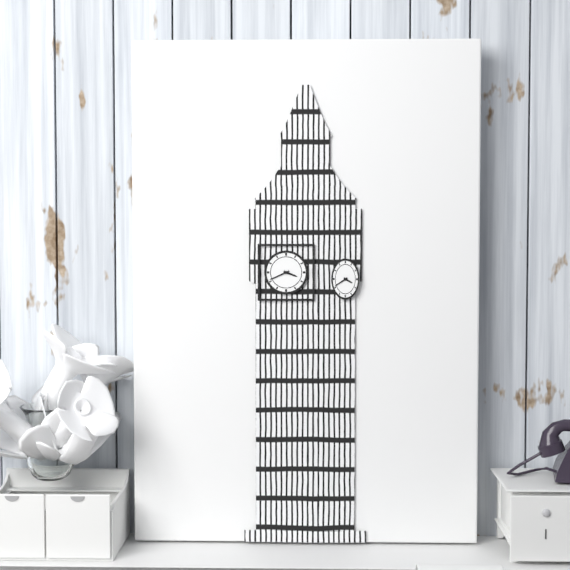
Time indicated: 3:41
